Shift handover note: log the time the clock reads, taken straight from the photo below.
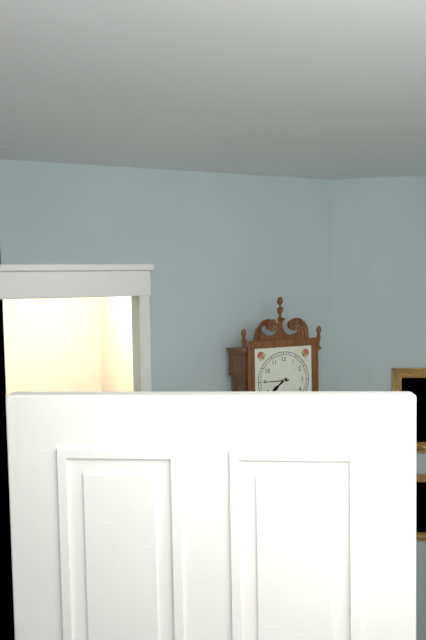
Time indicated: 7:45
